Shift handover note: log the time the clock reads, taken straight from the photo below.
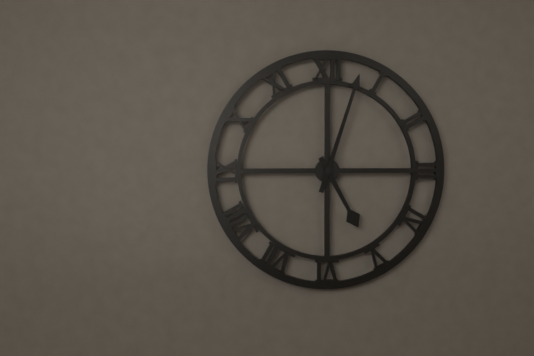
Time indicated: 5:03
